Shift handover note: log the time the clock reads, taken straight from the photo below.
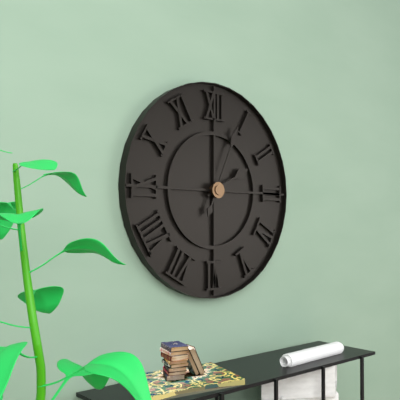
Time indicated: 2:04
